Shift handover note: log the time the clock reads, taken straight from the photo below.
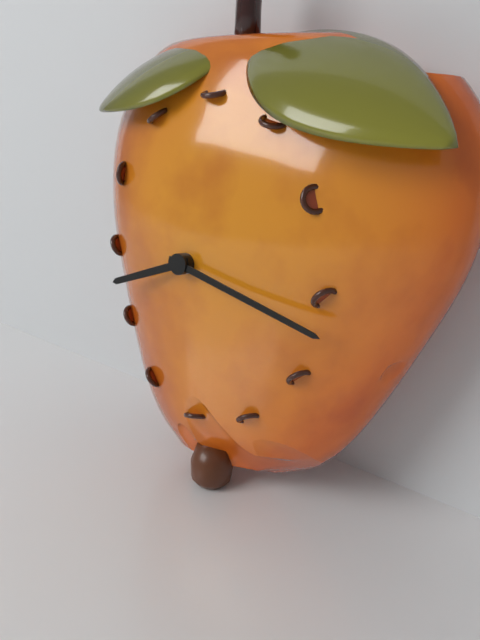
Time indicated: 8:17
